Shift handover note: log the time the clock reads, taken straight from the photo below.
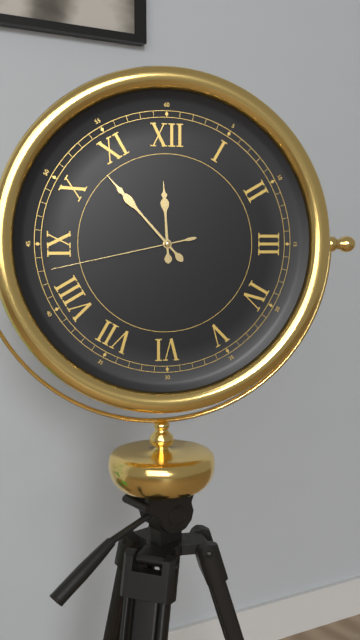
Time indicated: 11:53:43
